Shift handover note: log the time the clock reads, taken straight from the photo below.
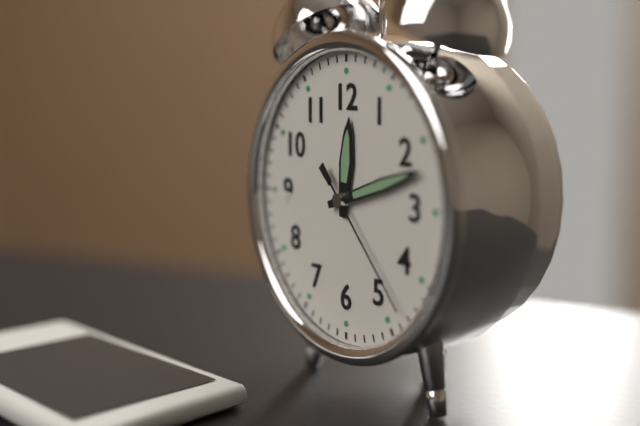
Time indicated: 12:12:23
